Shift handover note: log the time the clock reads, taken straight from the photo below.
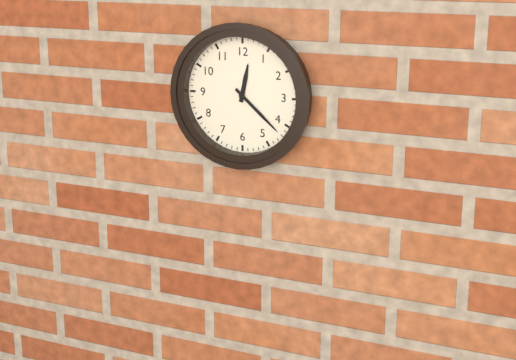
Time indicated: 12:22
